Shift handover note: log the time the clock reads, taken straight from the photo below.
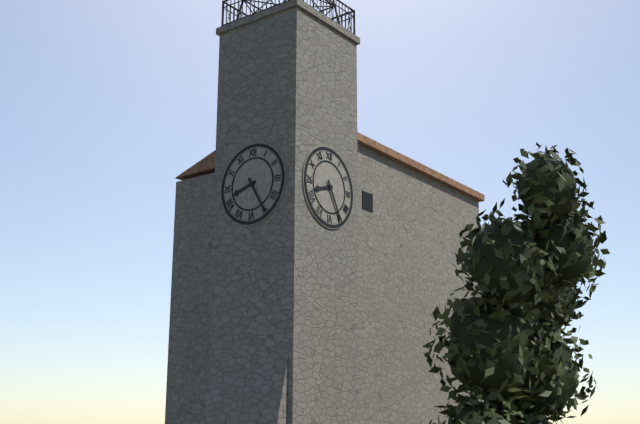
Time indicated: 8:25
